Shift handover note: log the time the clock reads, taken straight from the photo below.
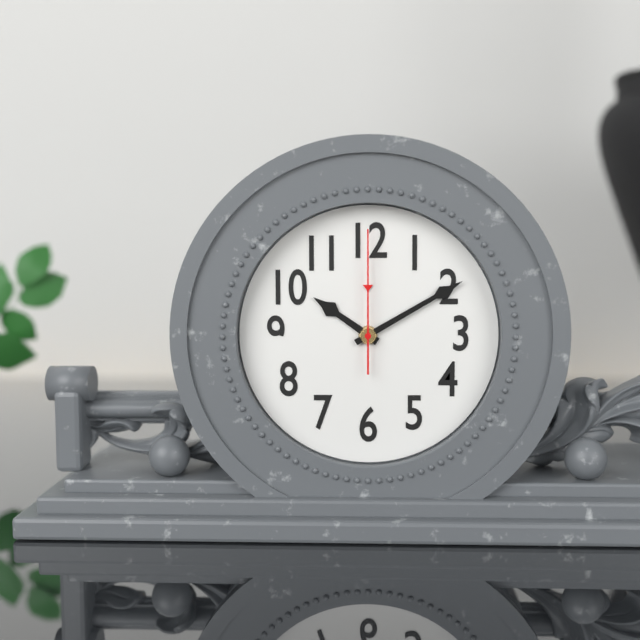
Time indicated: 10:10:00
